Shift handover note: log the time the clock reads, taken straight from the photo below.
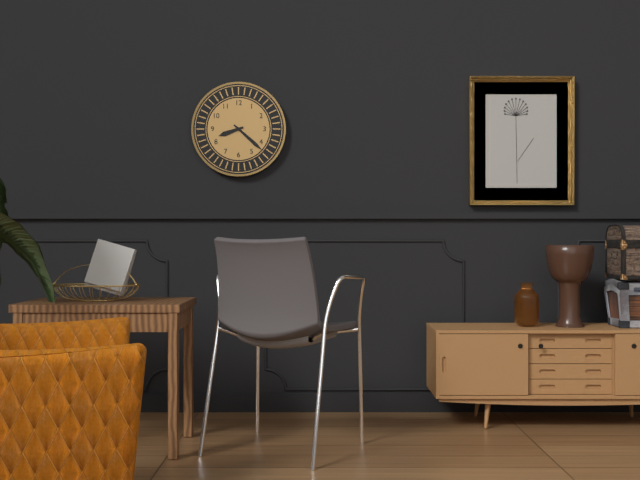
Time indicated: 8:22
